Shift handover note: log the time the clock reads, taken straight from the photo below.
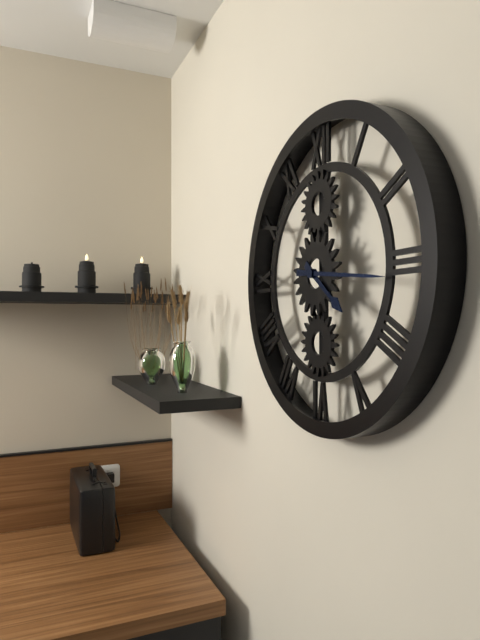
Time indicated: 4:16
